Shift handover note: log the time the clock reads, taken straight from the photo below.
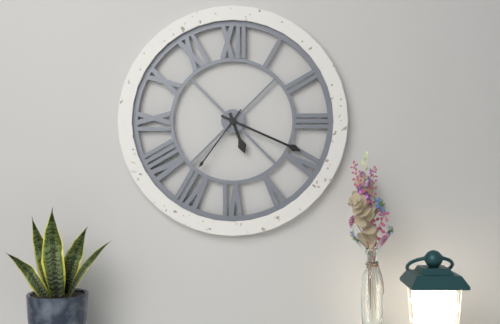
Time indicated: 5:19:36
